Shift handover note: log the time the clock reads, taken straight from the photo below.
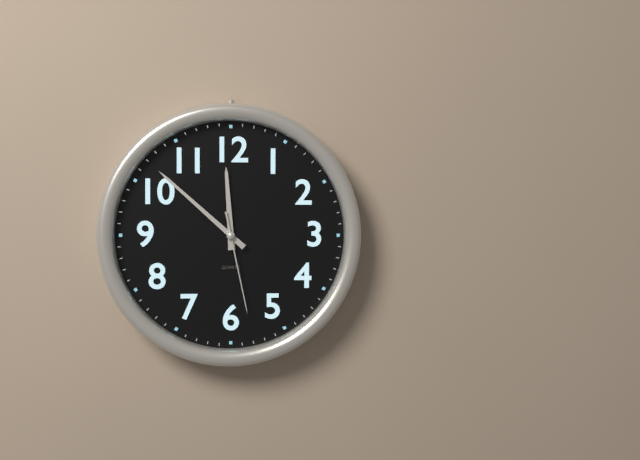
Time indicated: 11:52:28
